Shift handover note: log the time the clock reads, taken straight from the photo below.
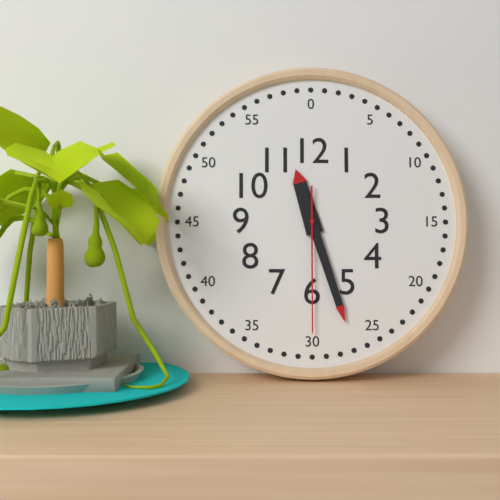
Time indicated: 11:27:30
